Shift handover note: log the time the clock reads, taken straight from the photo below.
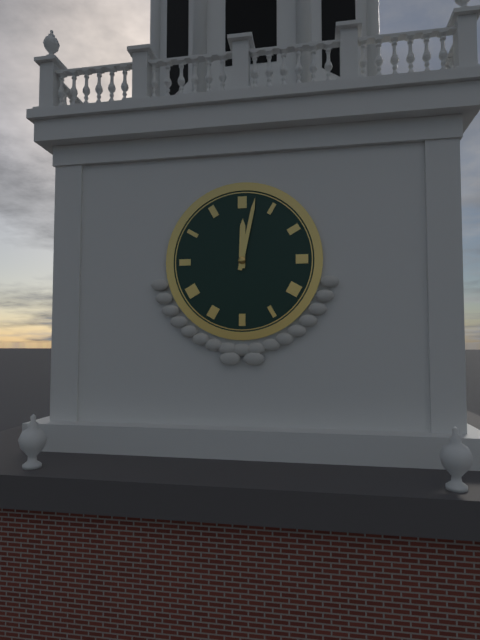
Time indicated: 12:02
